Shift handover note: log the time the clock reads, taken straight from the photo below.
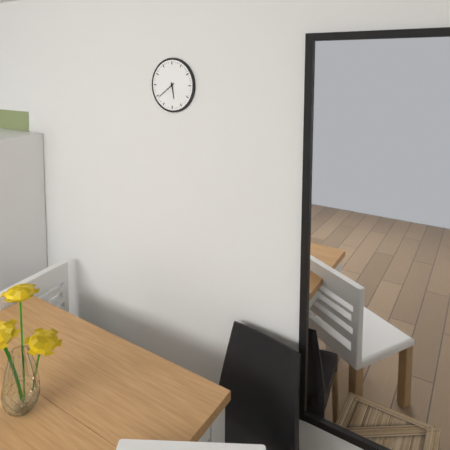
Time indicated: 5:39
